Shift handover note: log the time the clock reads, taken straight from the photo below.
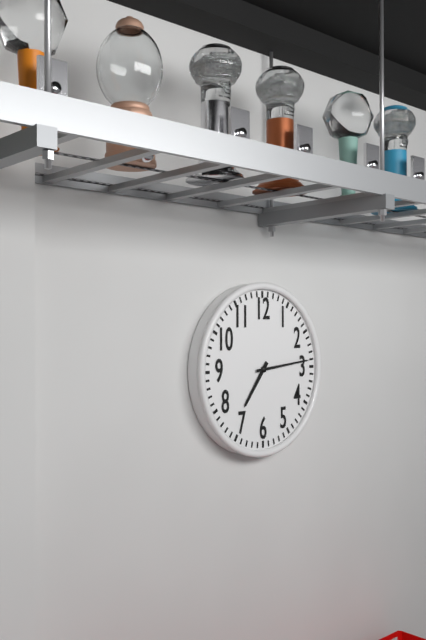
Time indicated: 7:14
